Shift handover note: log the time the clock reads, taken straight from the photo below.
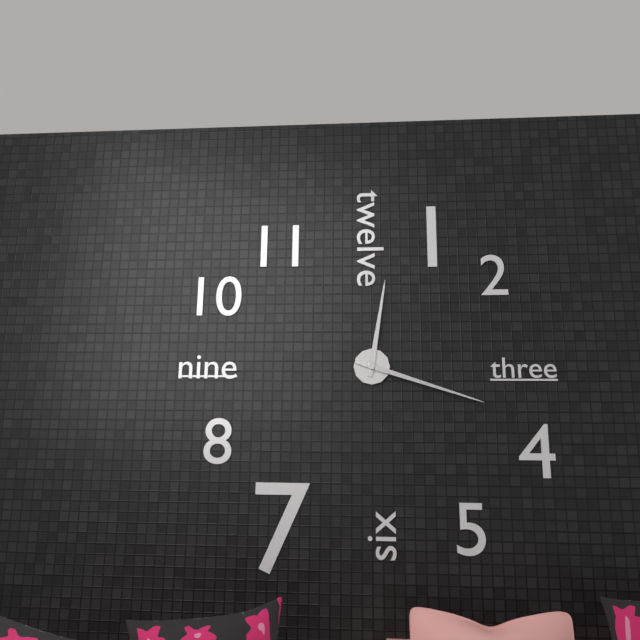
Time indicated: 12:18
